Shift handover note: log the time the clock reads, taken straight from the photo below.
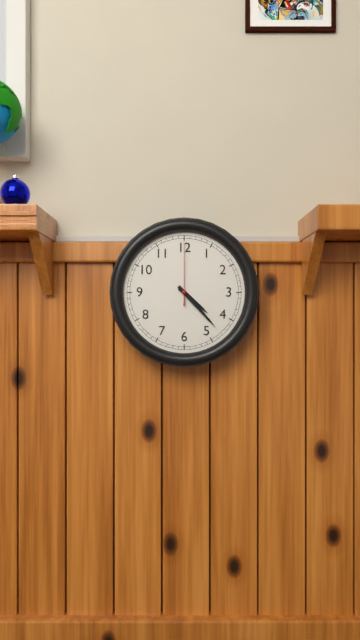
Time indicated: 4:23:00
